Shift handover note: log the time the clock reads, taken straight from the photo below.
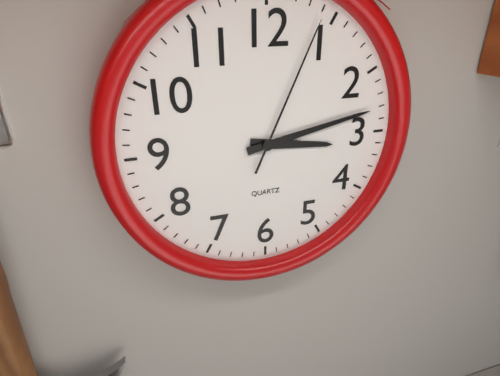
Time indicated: 3:13:04
